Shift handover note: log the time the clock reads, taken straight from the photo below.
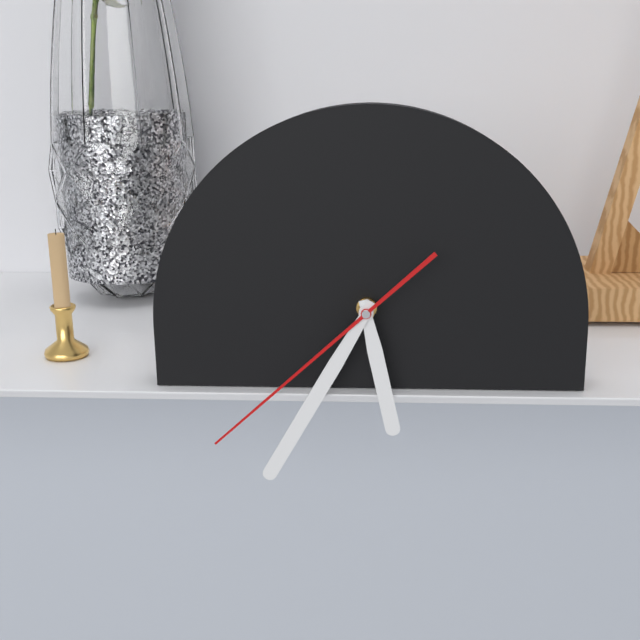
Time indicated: 5:35:38
